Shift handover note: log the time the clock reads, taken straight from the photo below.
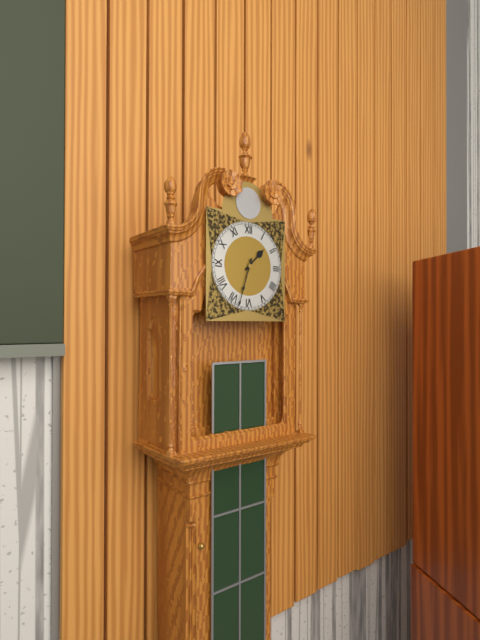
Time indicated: 1:33
